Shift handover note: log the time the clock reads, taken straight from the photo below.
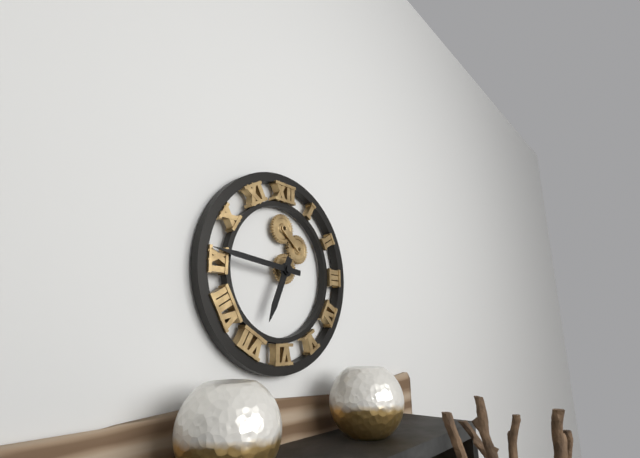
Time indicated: 6:46
